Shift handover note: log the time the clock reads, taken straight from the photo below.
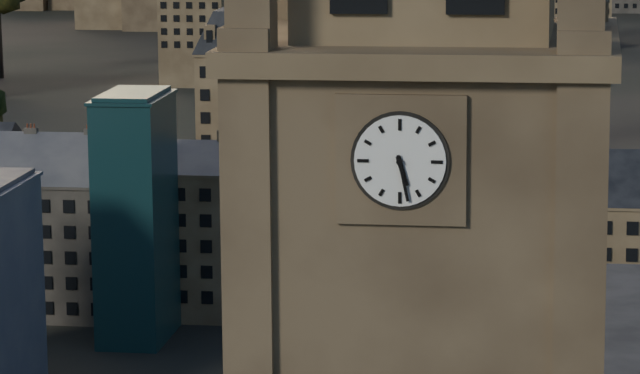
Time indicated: 5:28
